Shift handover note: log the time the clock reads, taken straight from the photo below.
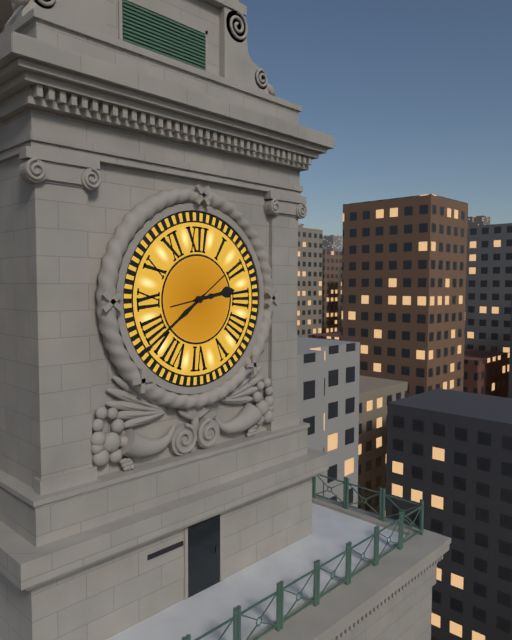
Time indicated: 2:39
